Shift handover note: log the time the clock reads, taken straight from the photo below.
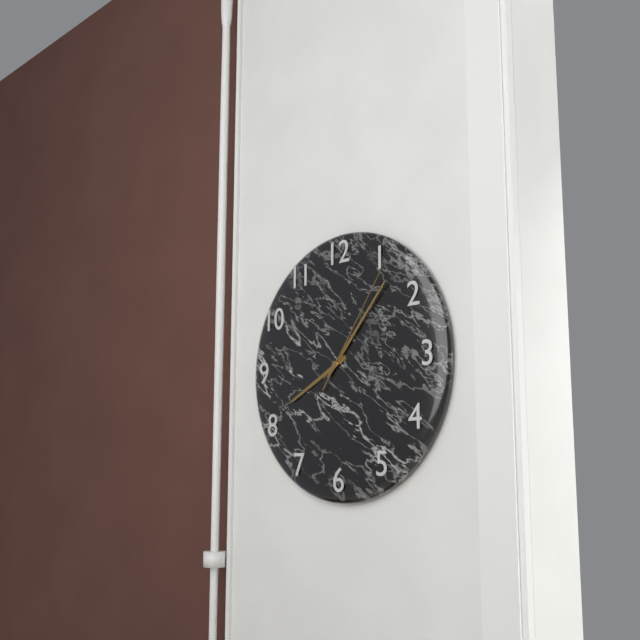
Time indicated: 8:07:06
